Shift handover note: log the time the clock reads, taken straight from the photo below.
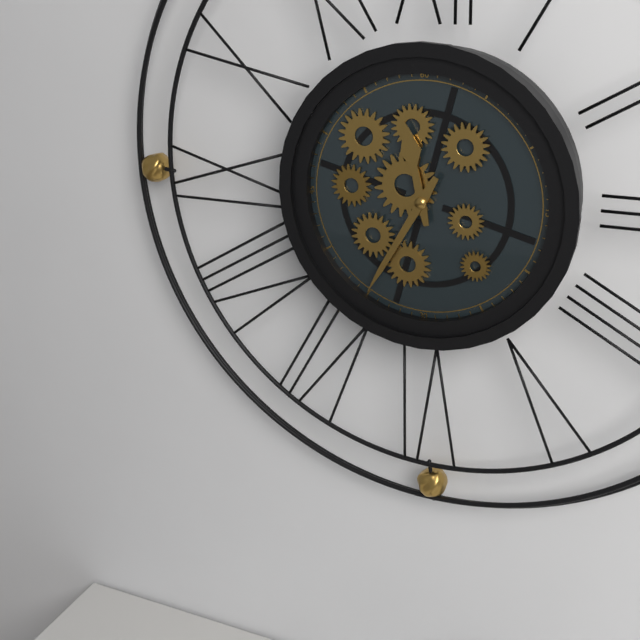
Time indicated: 11:35
